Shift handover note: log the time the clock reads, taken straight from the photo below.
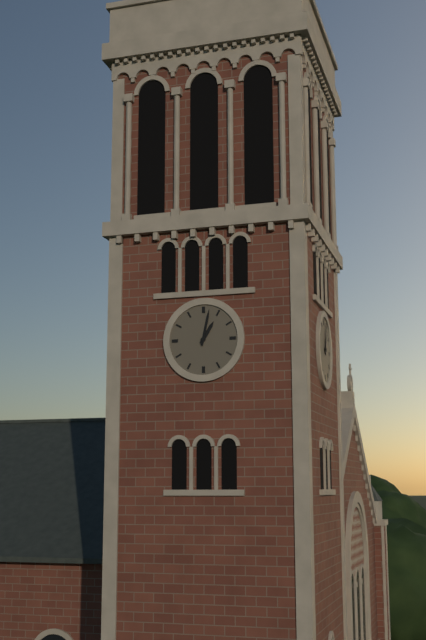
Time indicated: 1:02
